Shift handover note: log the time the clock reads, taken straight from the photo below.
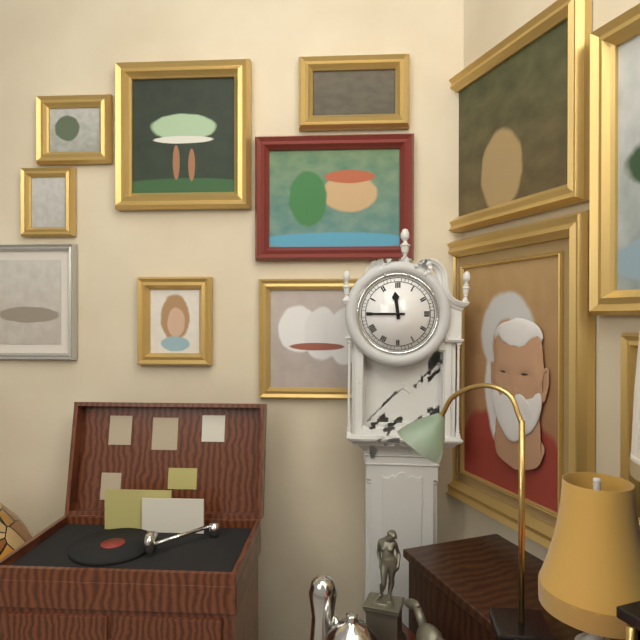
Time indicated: 11:45
